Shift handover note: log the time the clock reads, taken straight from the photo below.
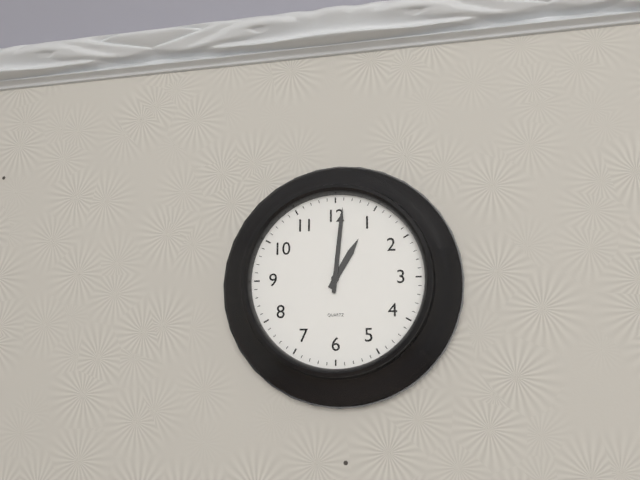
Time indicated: 1:01
